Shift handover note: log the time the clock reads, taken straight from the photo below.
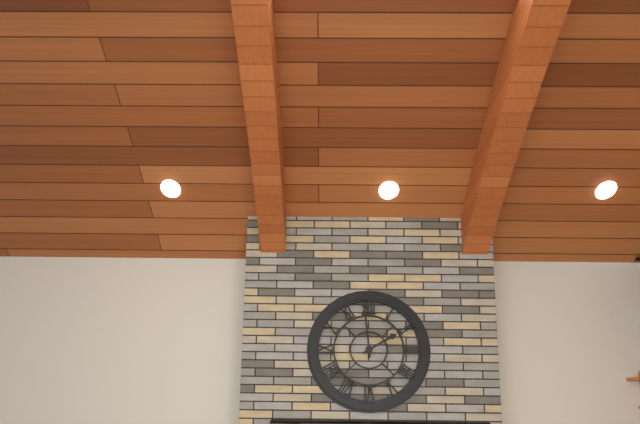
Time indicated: 1:59
